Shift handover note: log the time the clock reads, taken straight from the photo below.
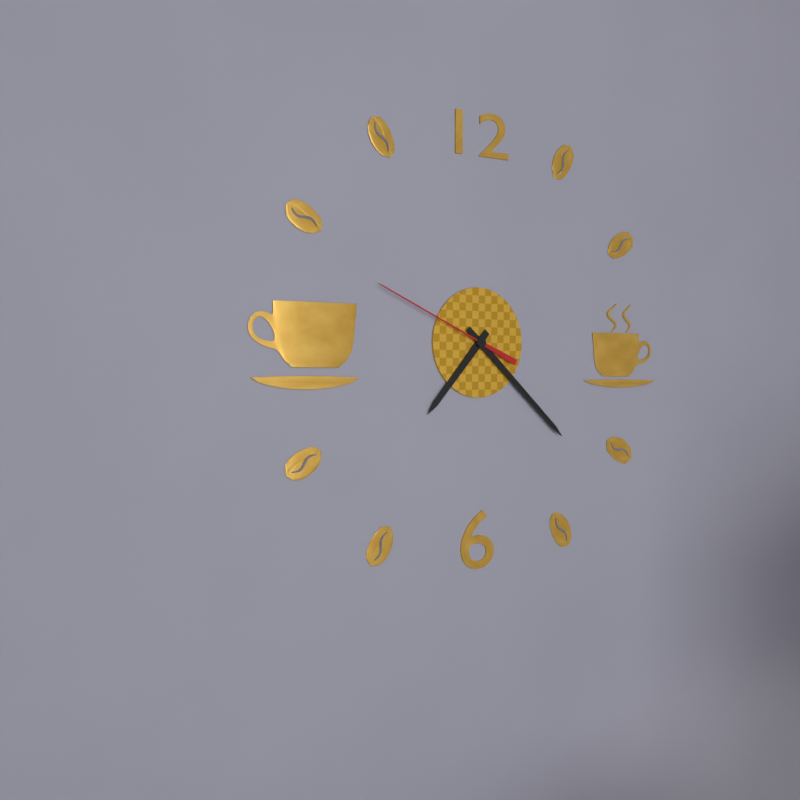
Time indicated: 7:22:49
